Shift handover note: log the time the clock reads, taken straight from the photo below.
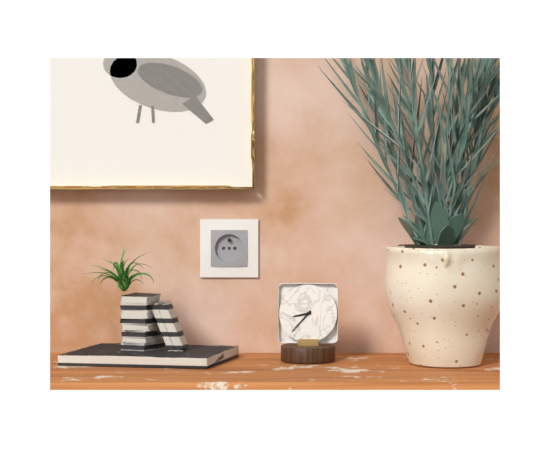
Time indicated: 8:37
